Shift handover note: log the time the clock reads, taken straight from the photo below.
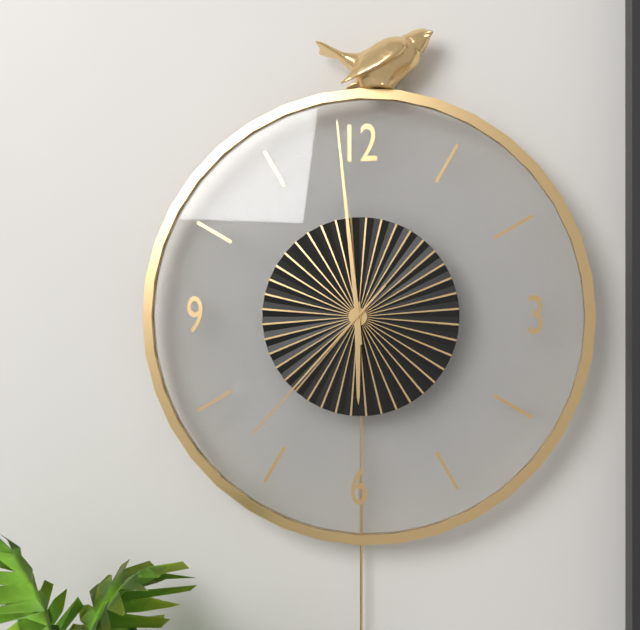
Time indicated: 5:59:37
